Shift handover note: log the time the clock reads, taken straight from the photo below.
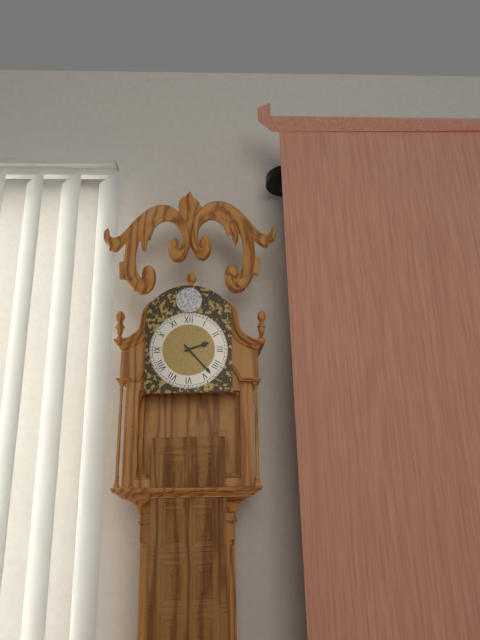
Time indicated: 2:23
